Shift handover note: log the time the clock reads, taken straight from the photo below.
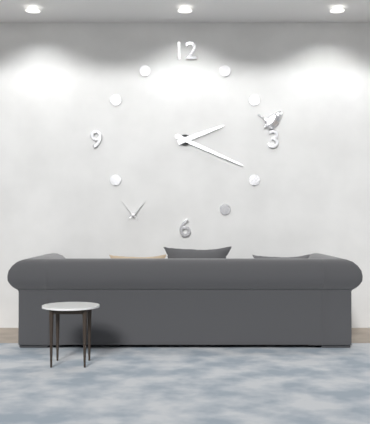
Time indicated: 2:19
